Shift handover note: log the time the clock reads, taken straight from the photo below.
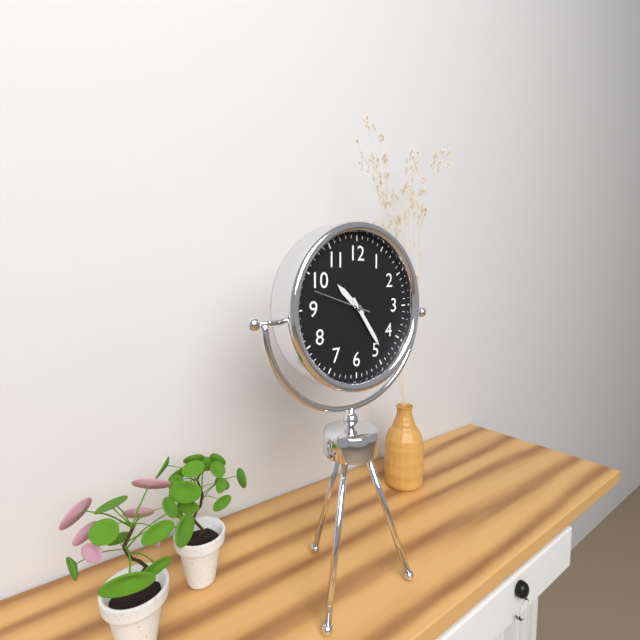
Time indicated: 10:24
